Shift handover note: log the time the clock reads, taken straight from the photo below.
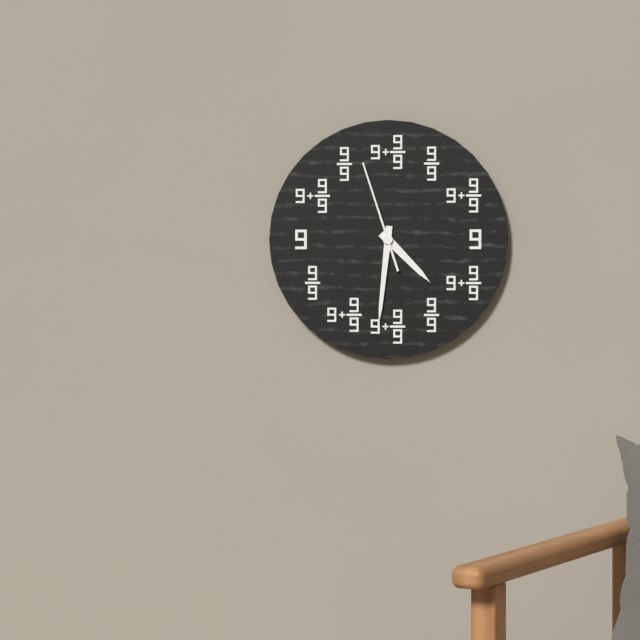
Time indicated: 4:31:57
